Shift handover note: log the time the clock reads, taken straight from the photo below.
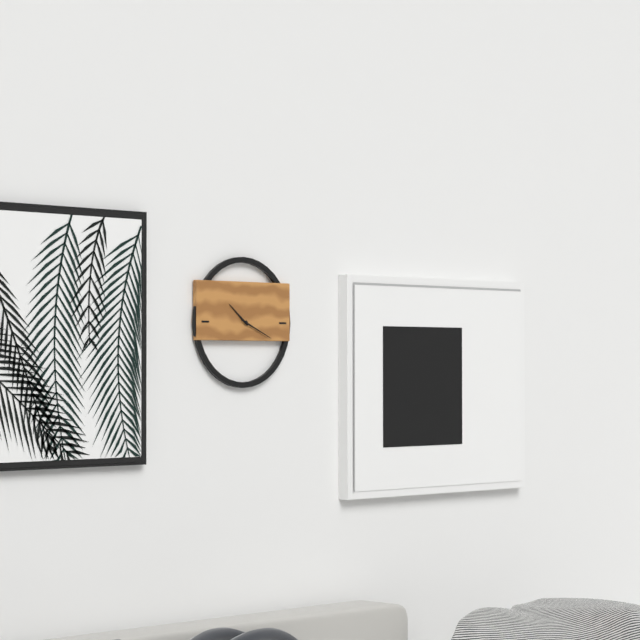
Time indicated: 10:19
